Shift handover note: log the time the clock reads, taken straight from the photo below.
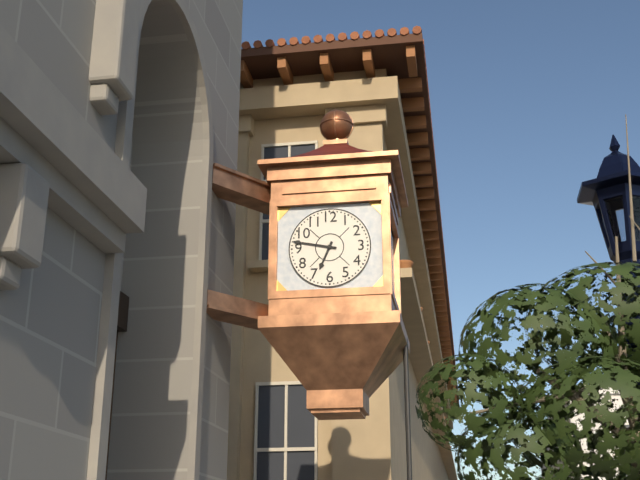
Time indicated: 6:47
